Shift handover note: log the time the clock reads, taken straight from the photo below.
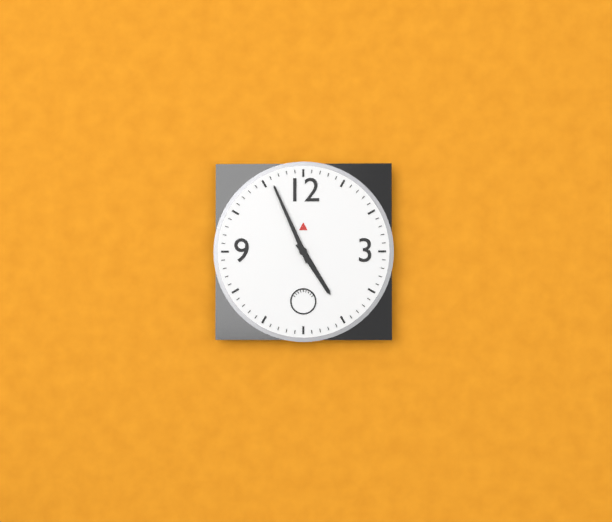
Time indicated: 4:56
